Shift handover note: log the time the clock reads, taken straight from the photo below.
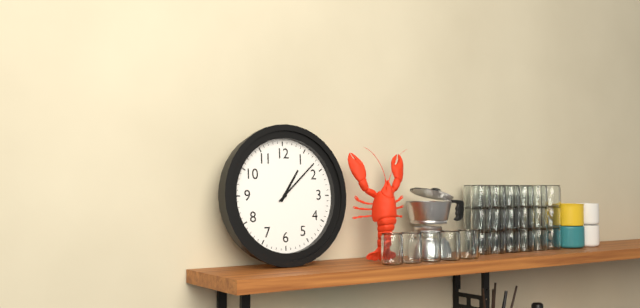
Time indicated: 1:08
